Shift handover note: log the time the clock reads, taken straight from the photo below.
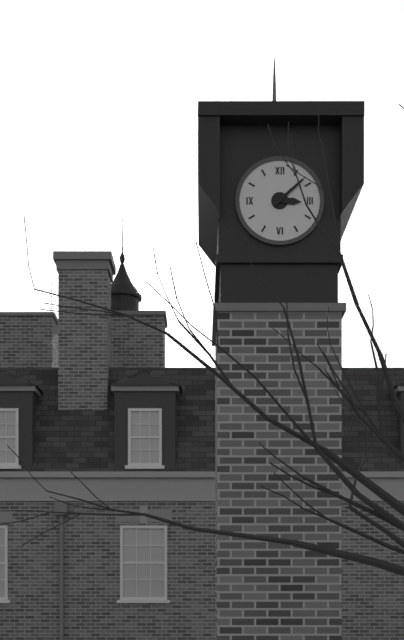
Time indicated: 3:08
